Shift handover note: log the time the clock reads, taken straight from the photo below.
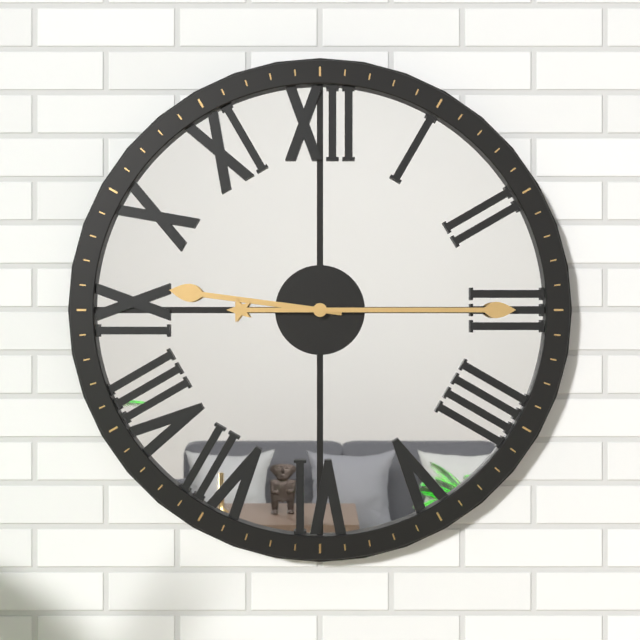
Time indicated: 9:15
